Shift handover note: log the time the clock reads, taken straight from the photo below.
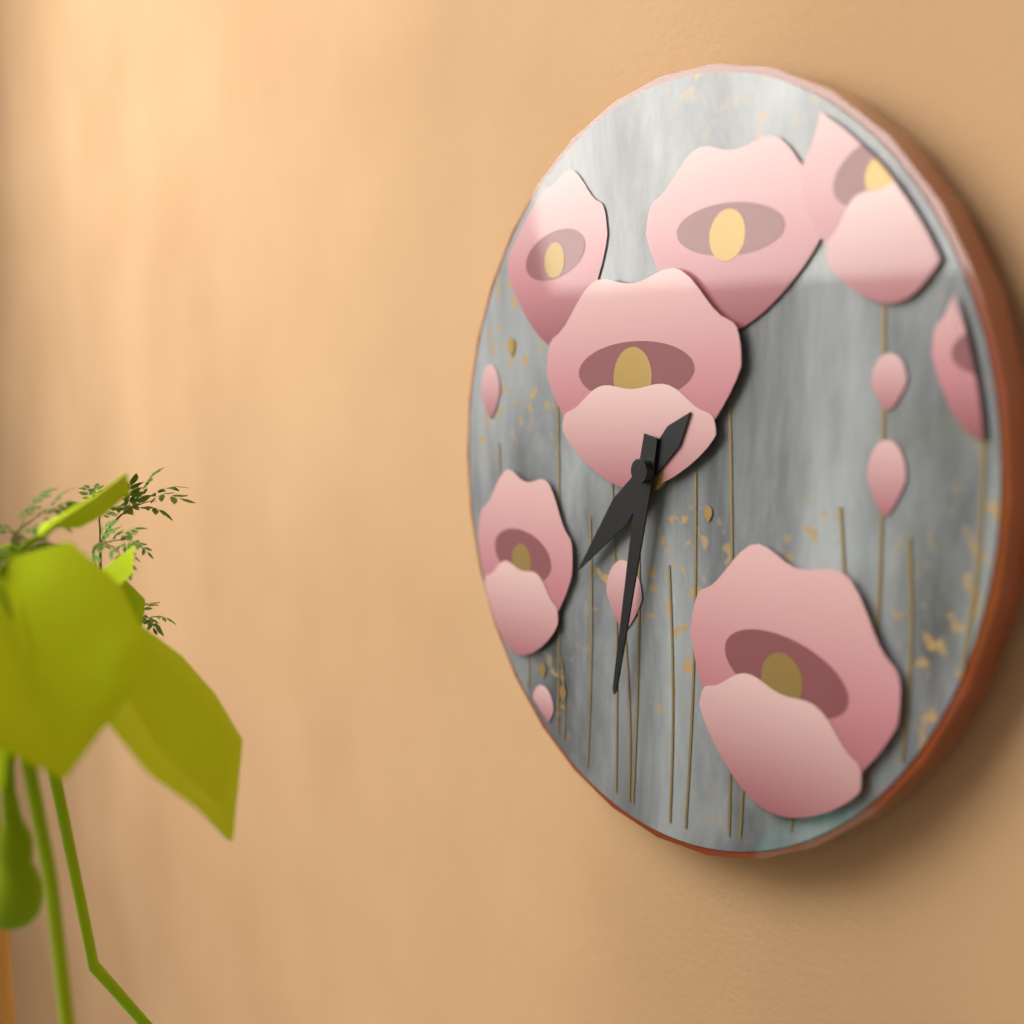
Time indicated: 7:32
